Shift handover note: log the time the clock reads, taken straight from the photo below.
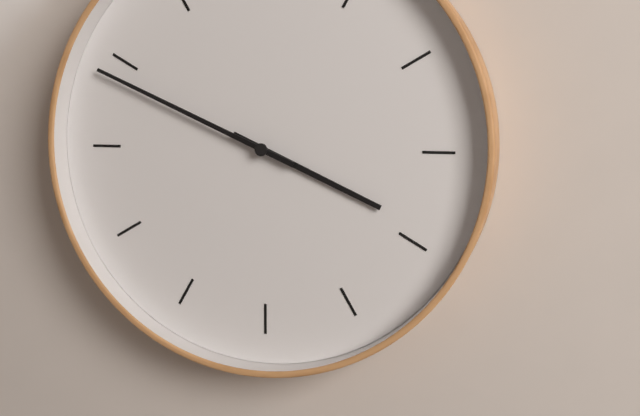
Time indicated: 3:49
